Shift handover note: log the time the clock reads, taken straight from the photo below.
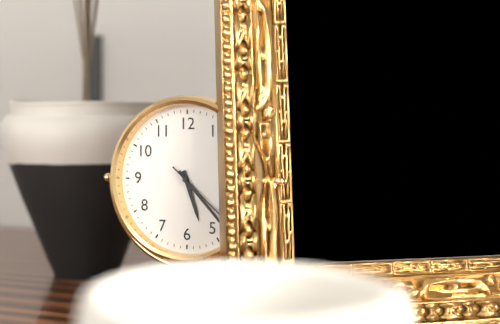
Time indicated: 5:23:22
